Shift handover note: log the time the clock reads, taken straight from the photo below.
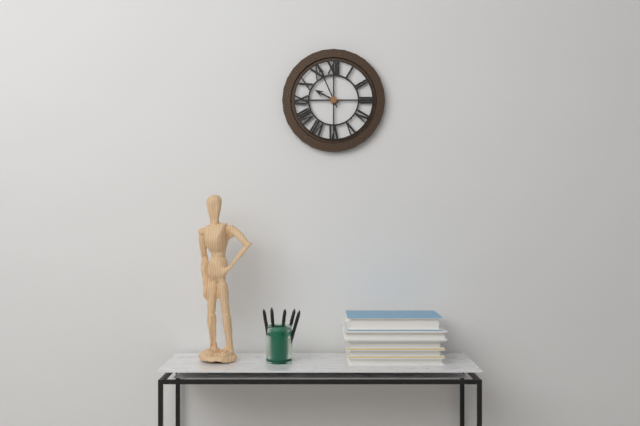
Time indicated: 9:56
